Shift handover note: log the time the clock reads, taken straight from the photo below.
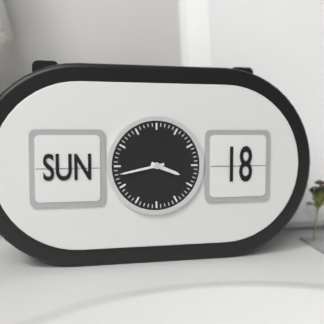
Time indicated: 3:43
